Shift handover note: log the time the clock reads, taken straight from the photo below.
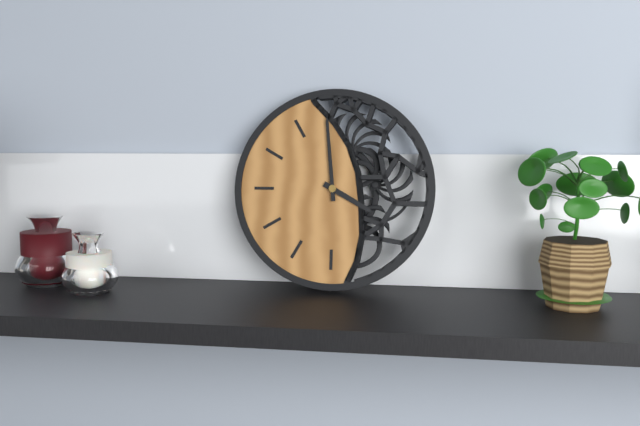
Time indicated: 3:59
